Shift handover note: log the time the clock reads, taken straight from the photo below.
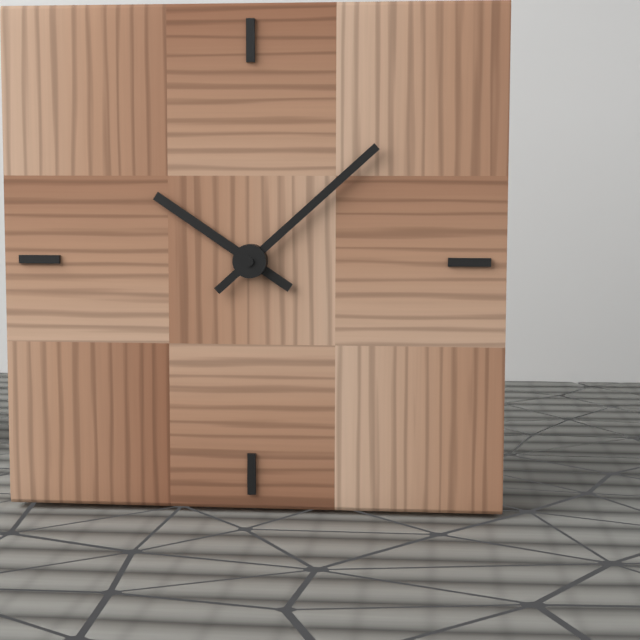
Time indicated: 10:08
